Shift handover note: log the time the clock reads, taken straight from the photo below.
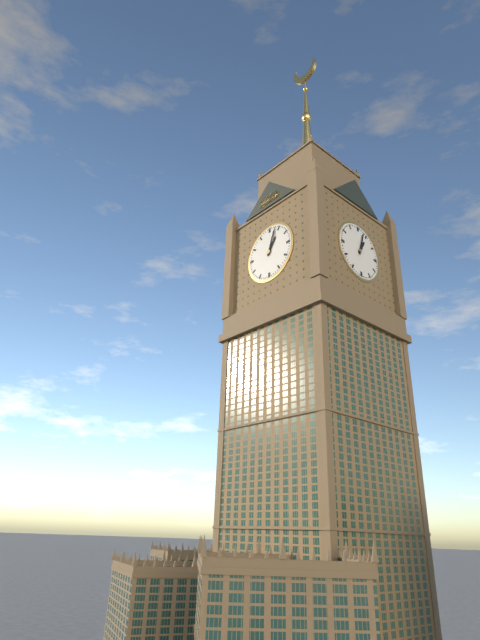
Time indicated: 1:03
